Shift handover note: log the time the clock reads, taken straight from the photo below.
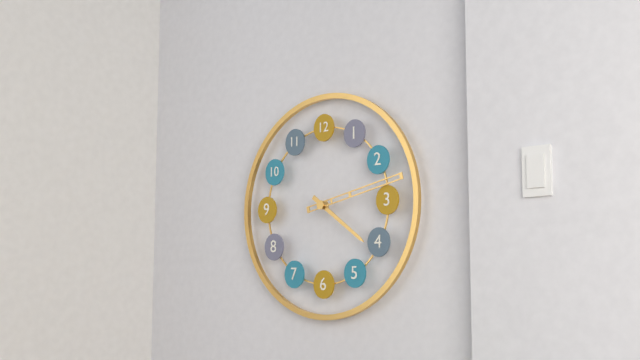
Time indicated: 4:13
